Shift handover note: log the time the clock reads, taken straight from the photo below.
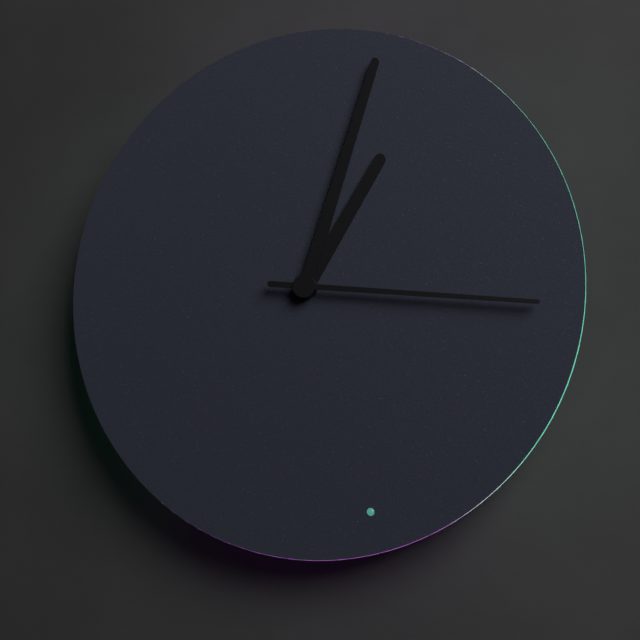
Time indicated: 1:03:16
